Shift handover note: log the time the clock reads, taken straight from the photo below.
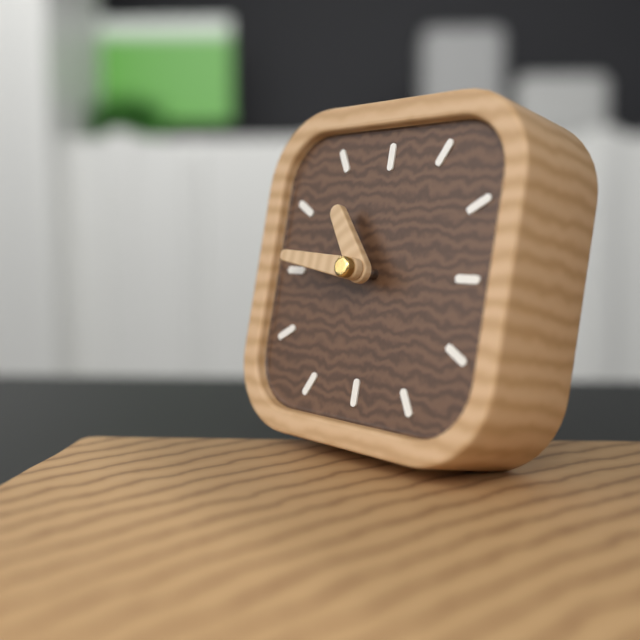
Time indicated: 10:46
